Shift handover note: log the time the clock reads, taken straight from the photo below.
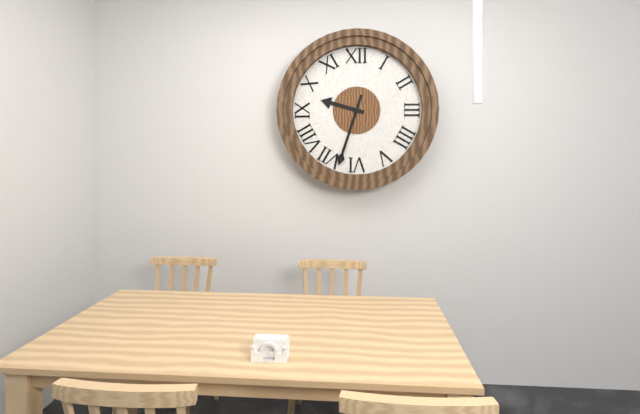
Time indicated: 9:33
